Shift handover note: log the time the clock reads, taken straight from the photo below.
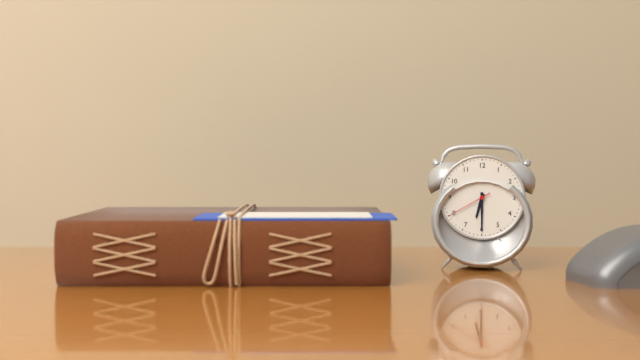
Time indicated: 6:30
